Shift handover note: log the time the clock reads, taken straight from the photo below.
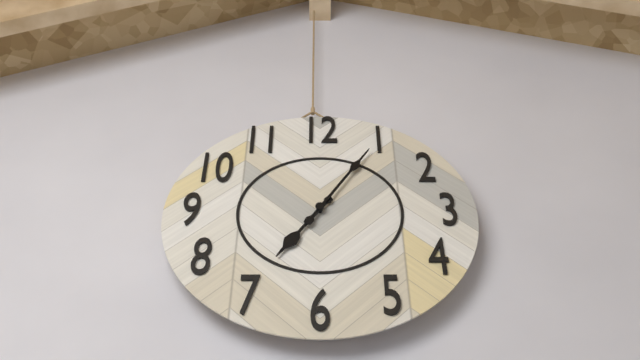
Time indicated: 7:05
